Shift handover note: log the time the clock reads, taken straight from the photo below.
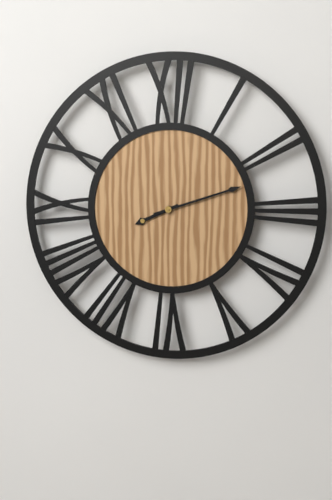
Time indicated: 8:12
